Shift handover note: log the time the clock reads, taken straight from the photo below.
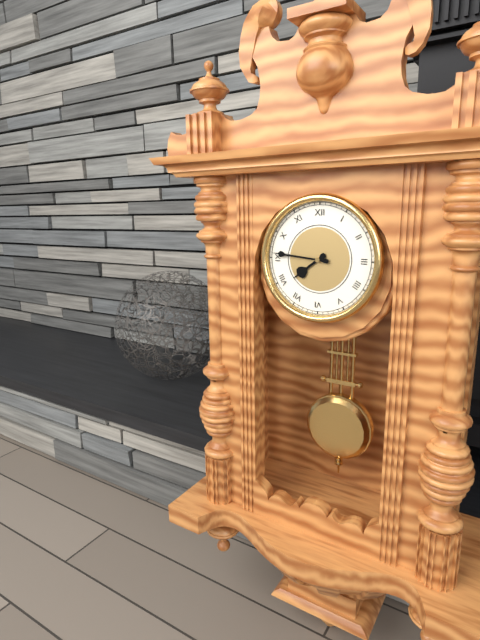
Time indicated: 7:46
